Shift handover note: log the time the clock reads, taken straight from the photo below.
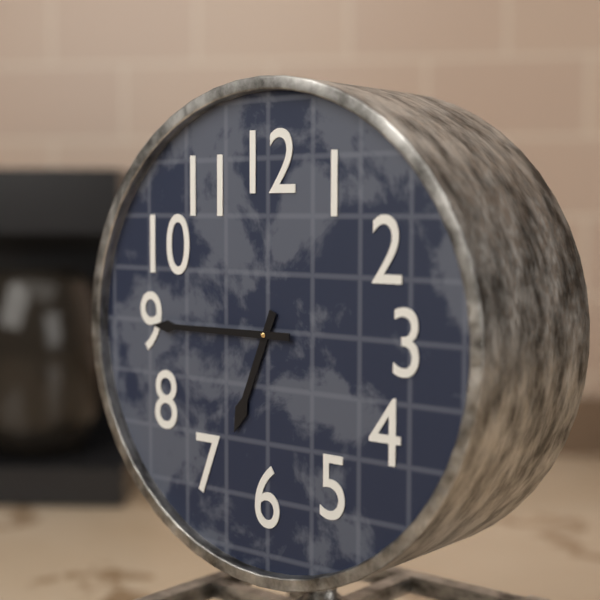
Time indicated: 6:45
